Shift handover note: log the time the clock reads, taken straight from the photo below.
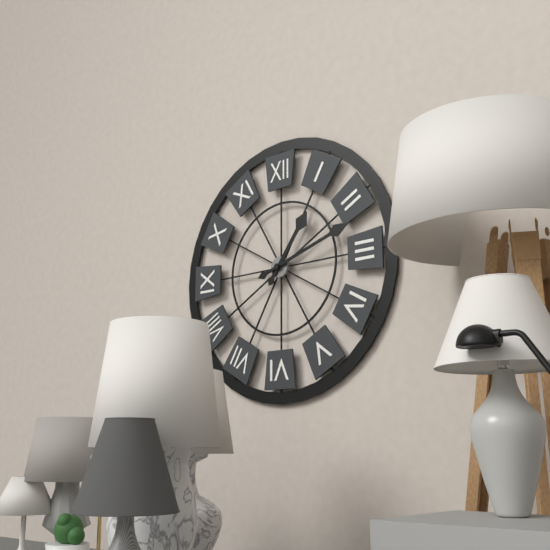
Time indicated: 1:12
